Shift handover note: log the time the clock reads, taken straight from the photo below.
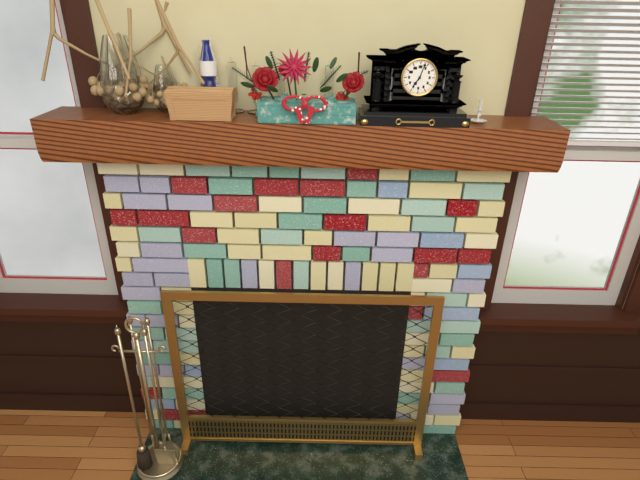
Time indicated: 7:03
